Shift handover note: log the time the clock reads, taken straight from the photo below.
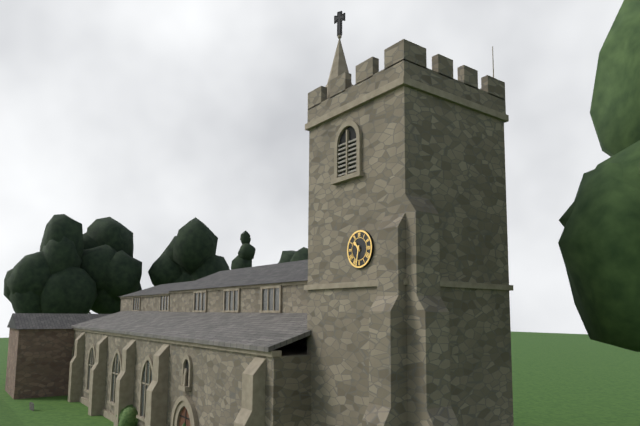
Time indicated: 10:32
